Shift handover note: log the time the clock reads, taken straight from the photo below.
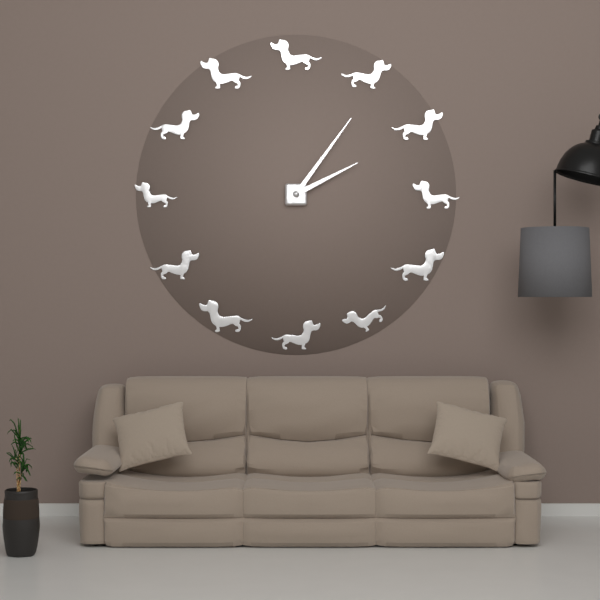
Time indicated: 2:06
